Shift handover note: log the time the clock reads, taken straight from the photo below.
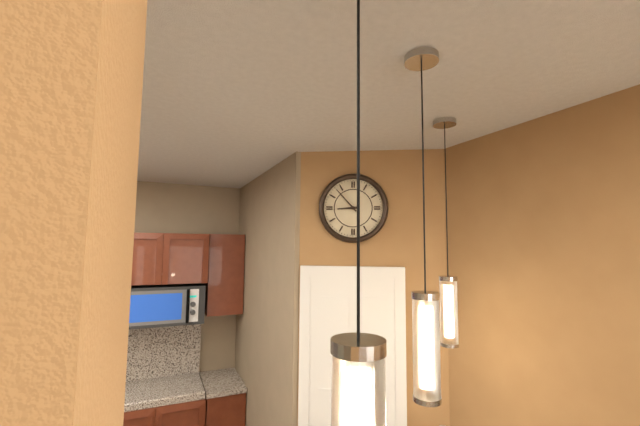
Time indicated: 8:53
